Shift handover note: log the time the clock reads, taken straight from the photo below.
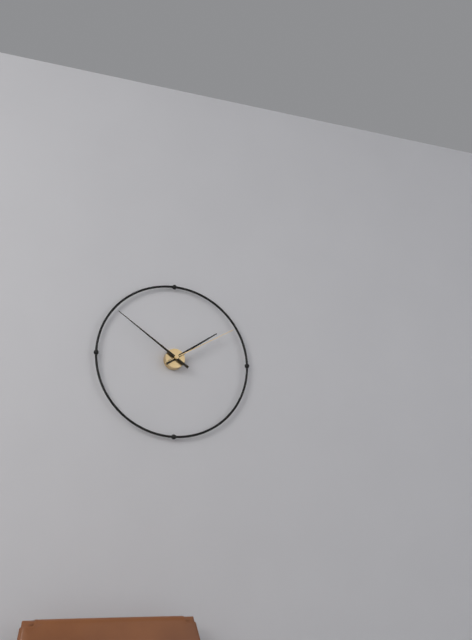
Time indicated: 1:51:10
